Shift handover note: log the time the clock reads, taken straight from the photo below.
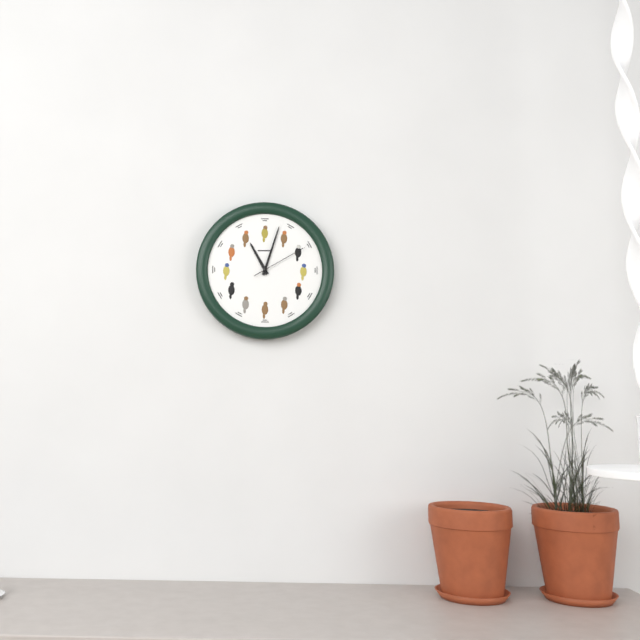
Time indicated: 11:03:10
